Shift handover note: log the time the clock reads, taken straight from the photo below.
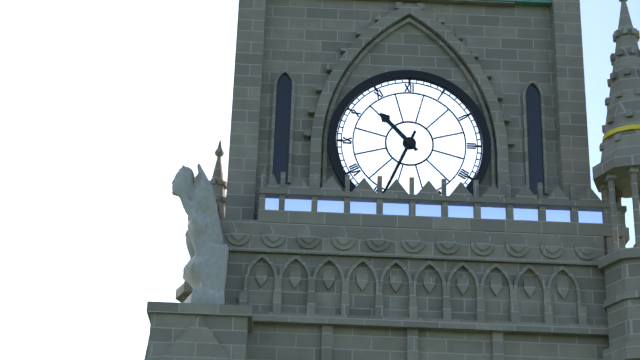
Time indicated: 10:34
